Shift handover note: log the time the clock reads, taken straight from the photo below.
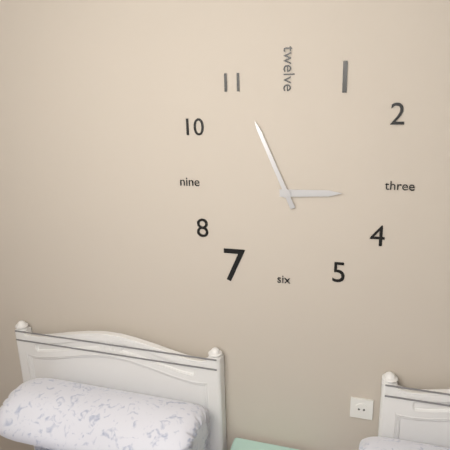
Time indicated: 2:56
